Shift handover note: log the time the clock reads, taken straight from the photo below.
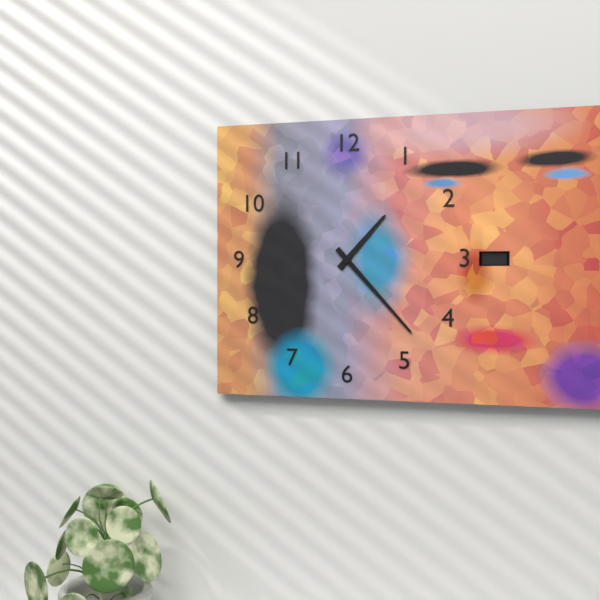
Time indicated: 1:23
